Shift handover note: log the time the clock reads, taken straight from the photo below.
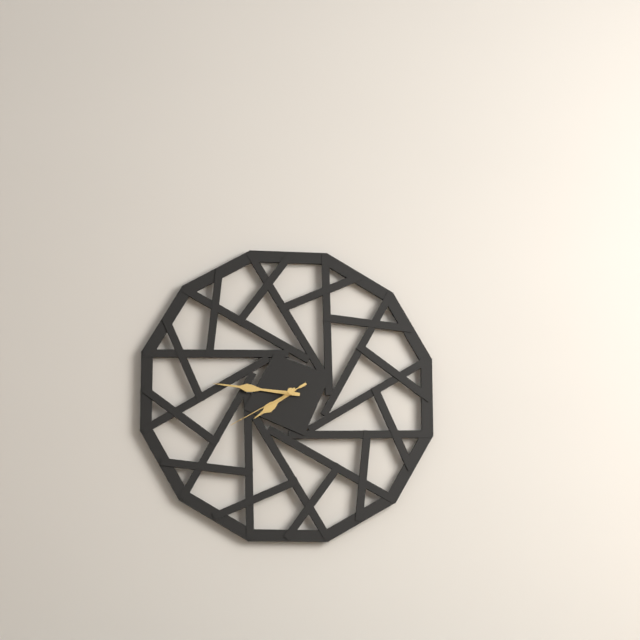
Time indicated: 7:46:40
